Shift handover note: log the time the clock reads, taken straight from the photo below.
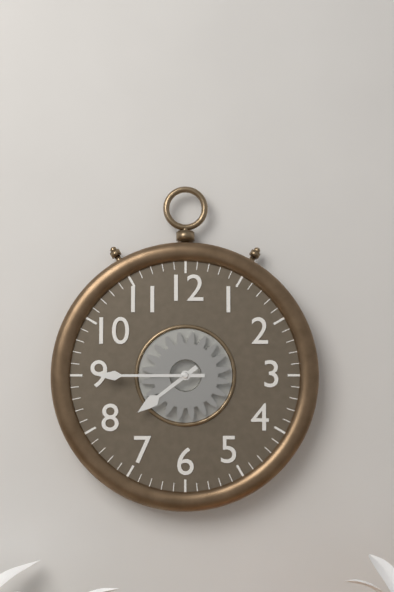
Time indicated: 7:45
